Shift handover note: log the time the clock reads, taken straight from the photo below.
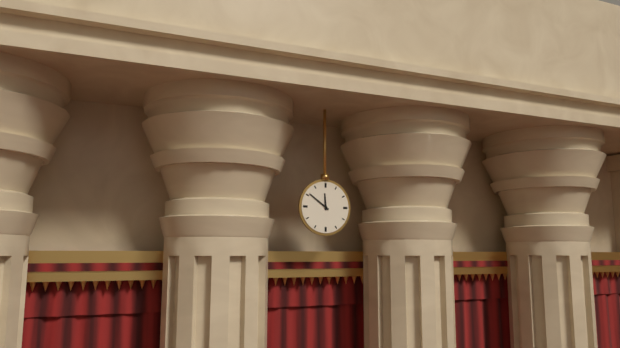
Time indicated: 11:51
